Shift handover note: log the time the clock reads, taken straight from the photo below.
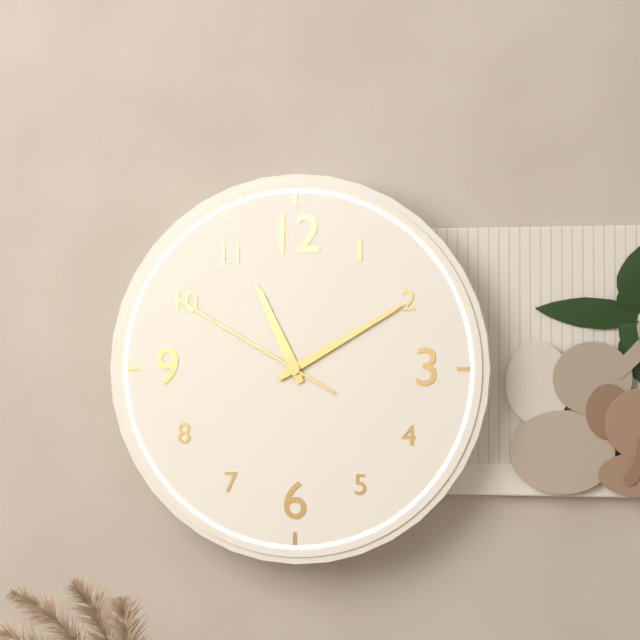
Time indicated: 11:10:50
